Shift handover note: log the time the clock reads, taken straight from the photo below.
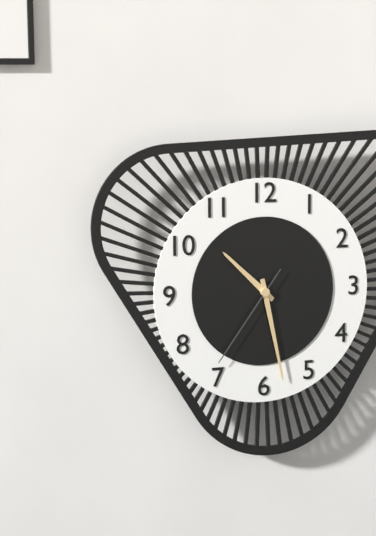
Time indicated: 10:28:36
